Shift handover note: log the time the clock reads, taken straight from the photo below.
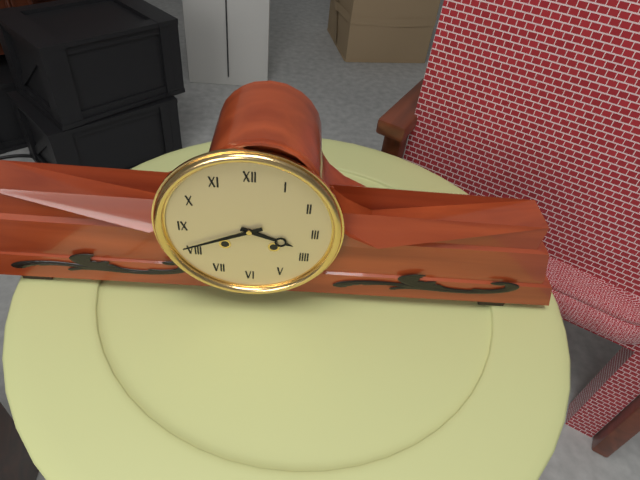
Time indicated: 3:41
